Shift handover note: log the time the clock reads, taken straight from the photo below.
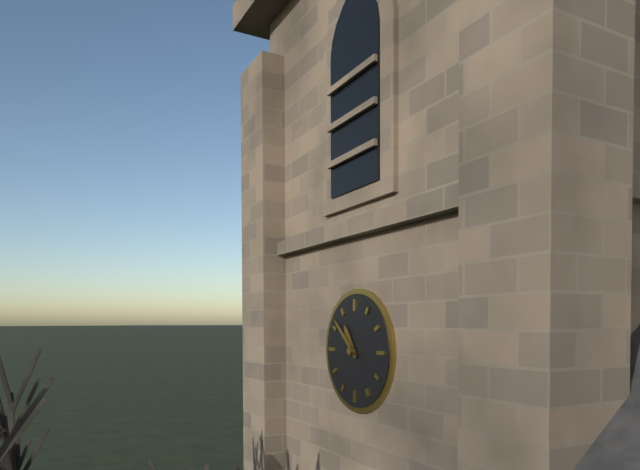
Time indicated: 10:52
